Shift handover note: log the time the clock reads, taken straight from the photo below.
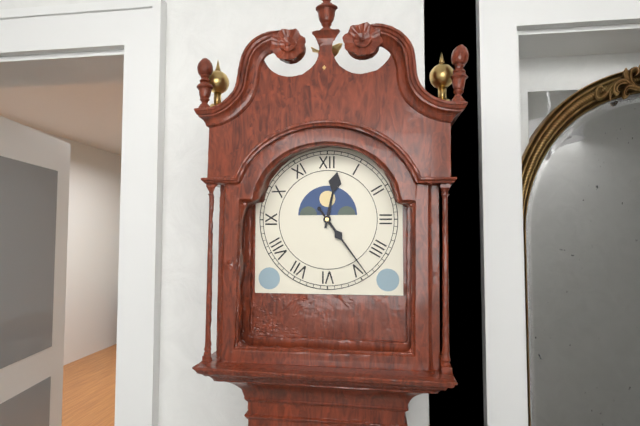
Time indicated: 12:24
